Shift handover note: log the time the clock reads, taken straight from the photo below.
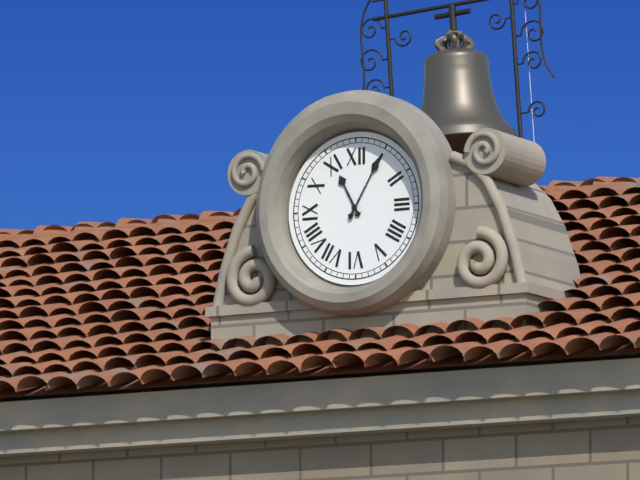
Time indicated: 11:05
